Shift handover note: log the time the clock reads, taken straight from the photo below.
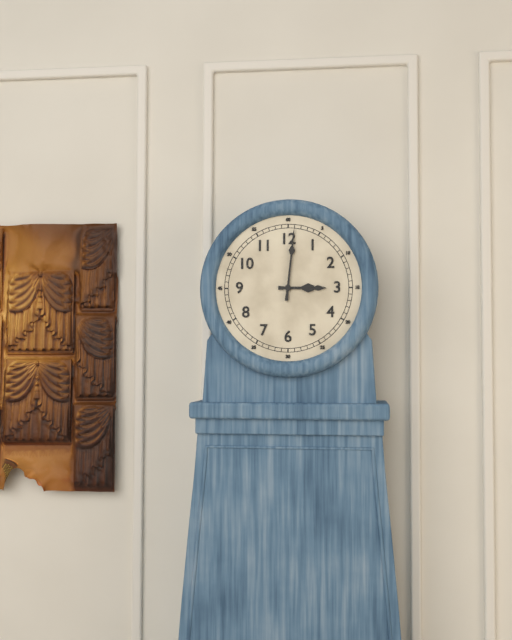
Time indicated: 3:01
